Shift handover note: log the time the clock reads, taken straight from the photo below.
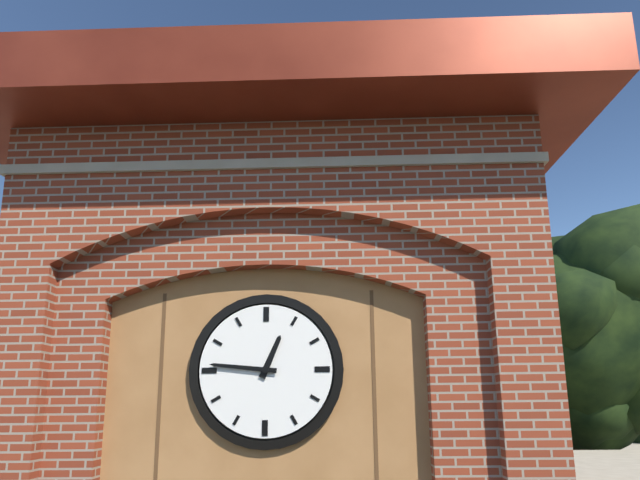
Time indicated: 12:46
